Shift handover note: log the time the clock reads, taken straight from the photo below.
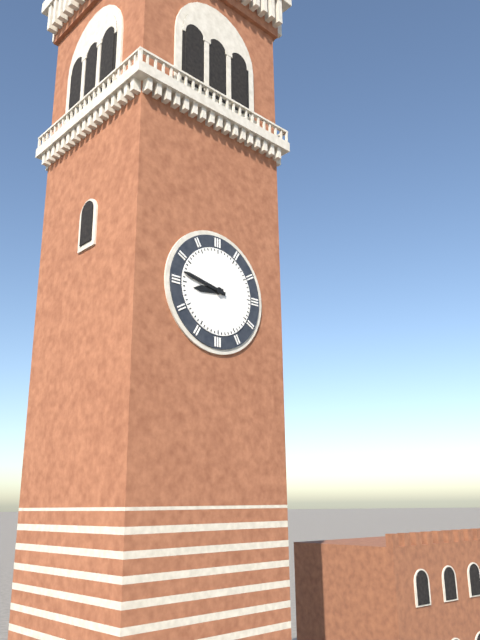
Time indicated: 8:47
